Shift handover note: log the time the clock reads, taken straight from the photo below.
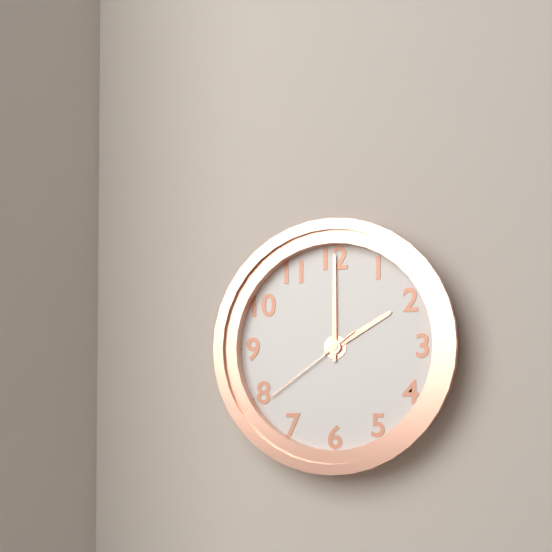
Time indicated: 2:00:39
